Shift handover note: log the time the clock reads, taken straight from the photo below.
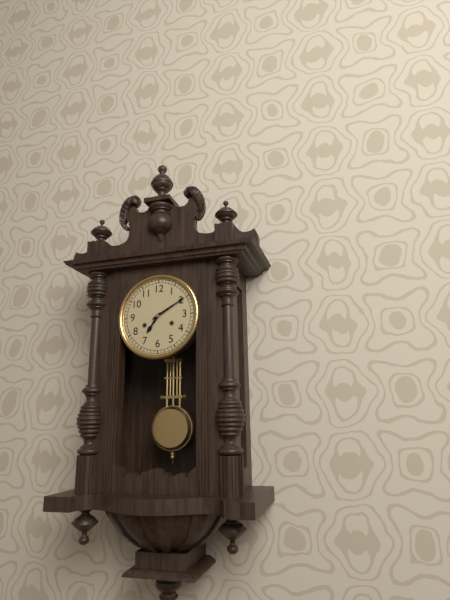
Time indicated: 7:10
